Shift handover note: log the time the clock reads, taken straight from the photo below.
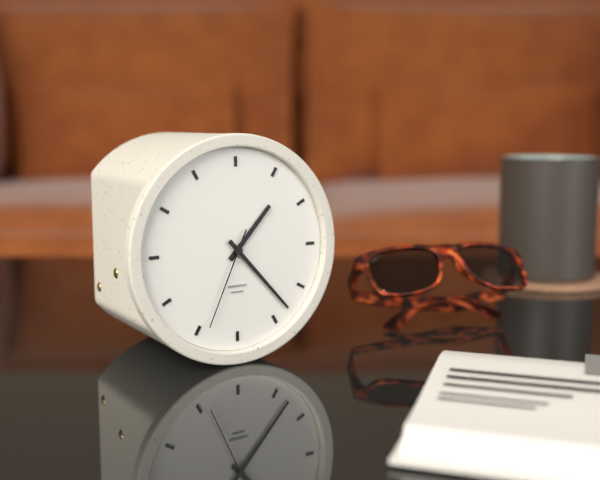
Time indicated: 1:23:34
